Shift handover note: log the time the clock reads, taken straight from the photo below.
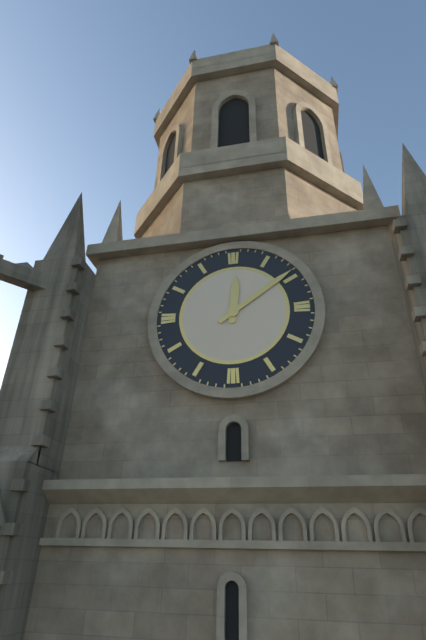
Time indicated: 12:09
